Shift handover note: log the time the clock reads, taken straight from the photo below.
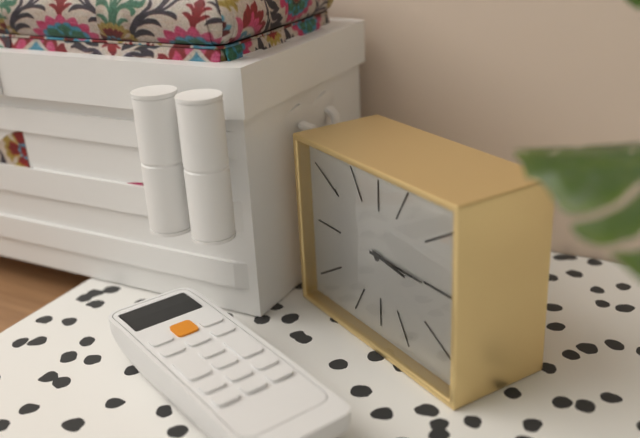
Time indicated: 3:15
